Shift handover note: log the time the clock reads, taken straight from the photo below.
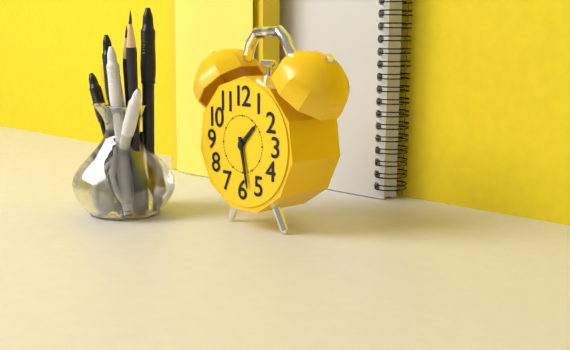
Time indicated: 1:28
